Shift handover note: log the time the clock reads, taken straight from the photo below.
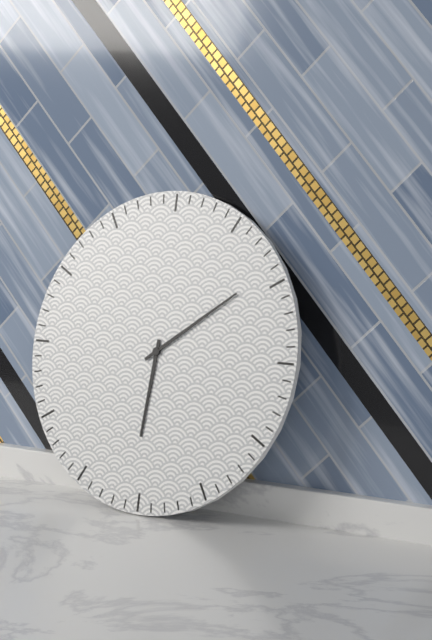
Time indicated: 6:09
